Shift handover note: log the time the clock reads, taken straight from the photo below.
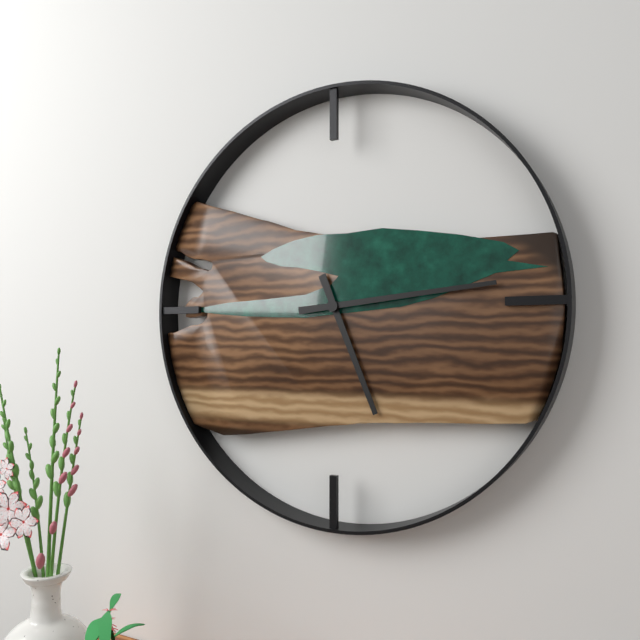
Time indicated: 5:14
